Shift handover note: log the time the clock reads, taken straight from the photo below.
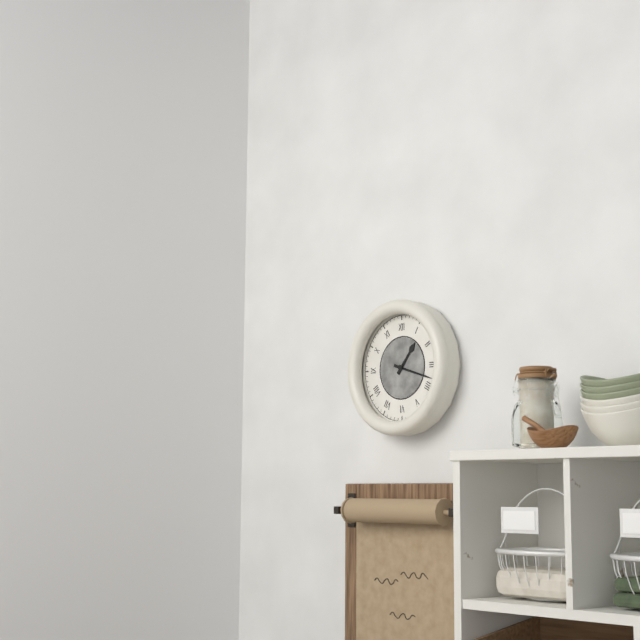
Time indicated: 1:18
